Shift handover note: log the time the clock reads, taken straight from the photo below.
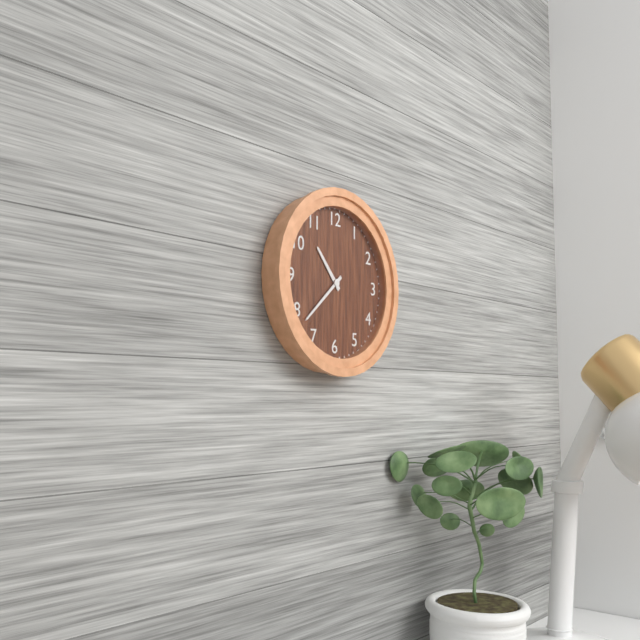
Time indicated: 10:38
